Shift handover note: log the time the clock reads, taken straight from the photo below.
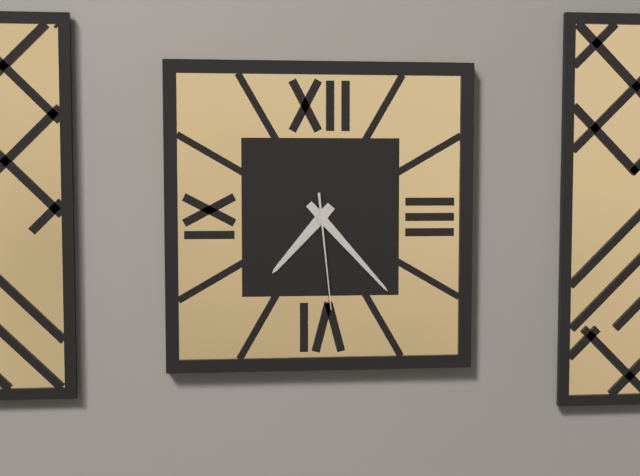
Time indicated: 7:23:29
